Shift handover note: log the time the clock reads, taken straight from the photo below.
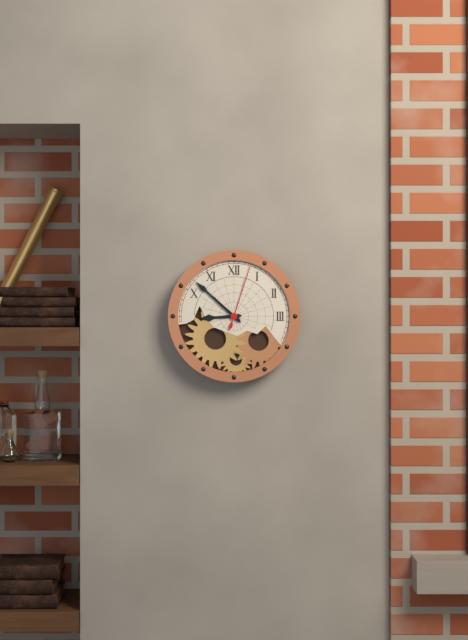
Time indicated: 8:52:03
